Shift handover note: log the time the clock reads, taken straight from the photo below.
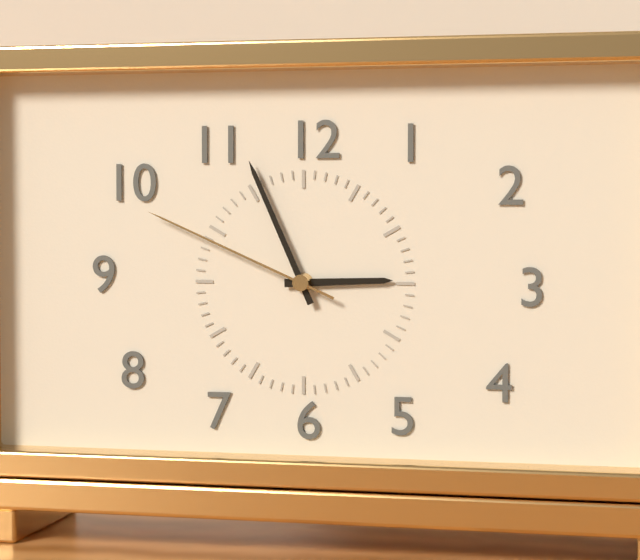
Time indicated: 2:56:49
